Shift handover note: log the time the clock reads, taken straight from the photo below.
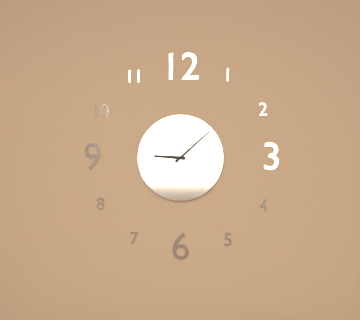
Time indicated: 9:08
